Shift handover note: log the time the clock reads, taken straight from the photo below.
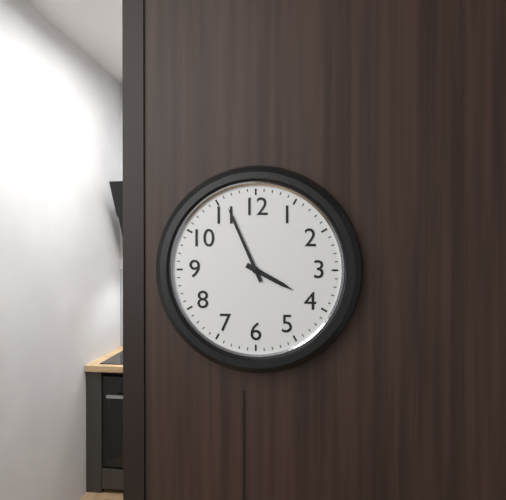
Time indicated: 3:56
